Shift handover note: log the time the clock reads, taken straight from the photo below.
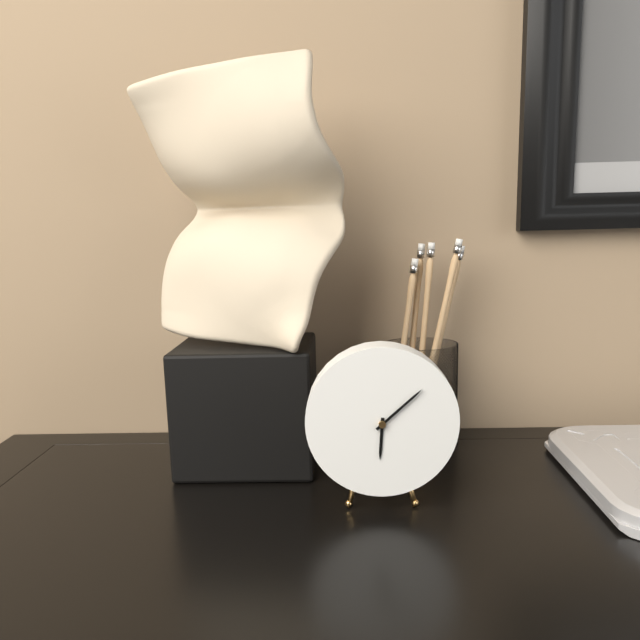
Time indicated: 6:08
